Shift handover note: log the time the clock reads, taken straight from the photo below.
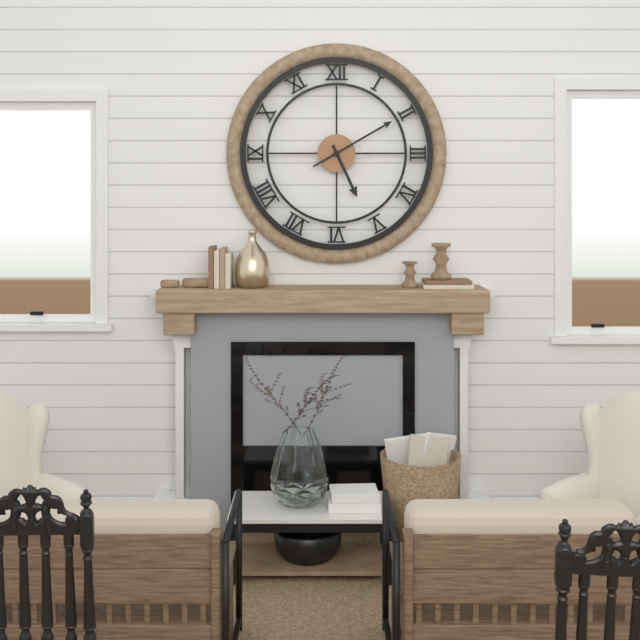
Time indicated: 5:10
